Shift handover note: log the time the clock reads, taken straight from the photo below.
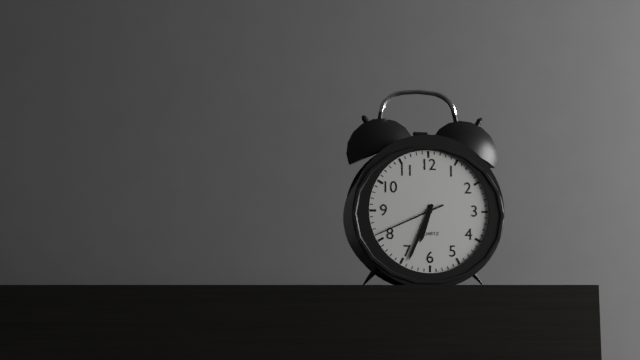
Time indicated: 6:34:41
